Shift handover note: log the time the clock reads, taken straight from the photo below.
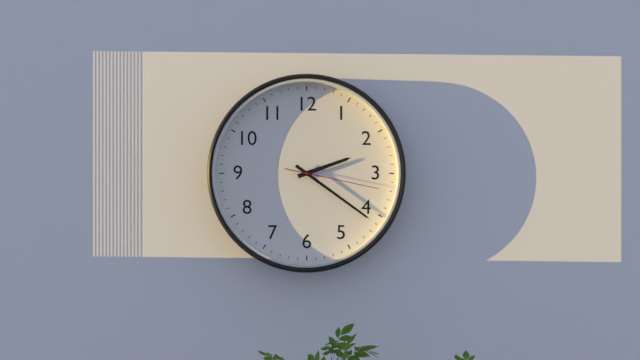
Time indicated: 2:21:17
